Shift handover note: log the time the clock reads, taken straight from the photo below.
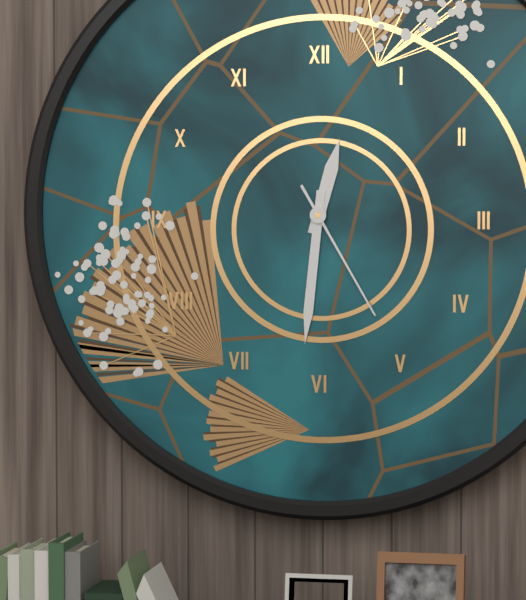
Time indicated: 12:31:25
